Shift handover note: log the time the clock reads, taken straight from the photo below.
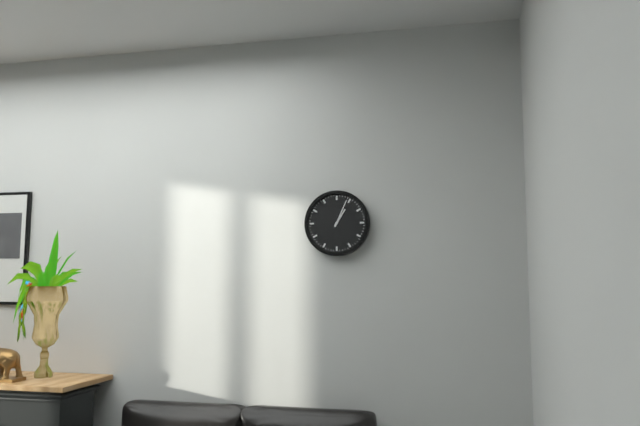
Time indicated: 1:04
